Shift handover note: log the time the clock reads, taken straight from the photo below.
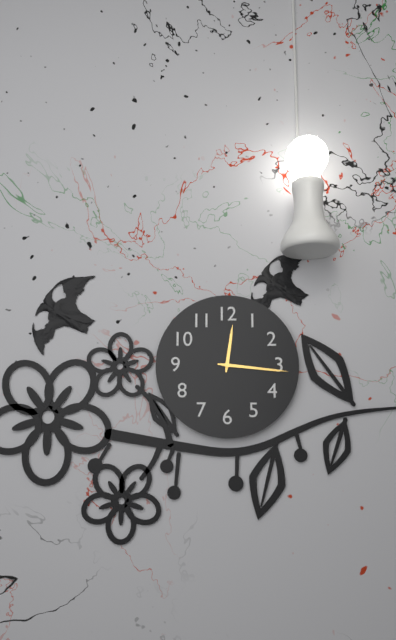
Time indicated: 12:16
